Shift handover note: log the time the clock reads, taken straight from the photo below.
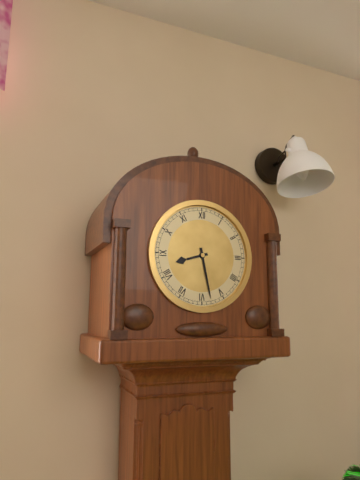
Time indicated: 8:28
